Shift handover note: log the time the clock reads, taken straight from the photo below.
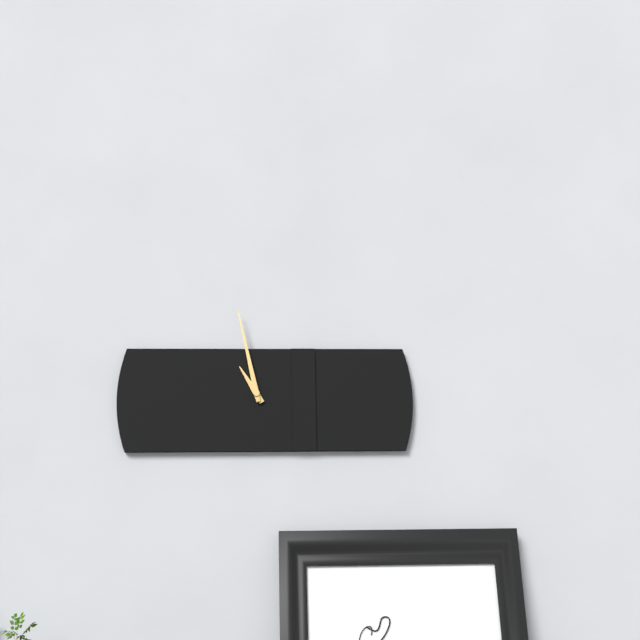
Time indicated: 10:58
